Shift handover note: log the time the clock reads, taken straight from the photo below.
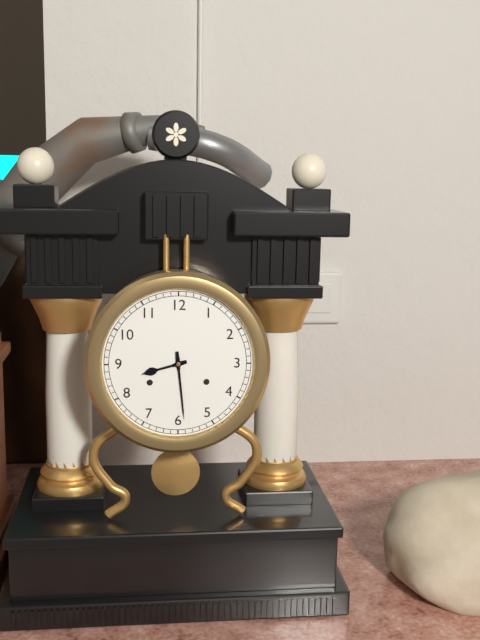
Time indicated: 8:29
